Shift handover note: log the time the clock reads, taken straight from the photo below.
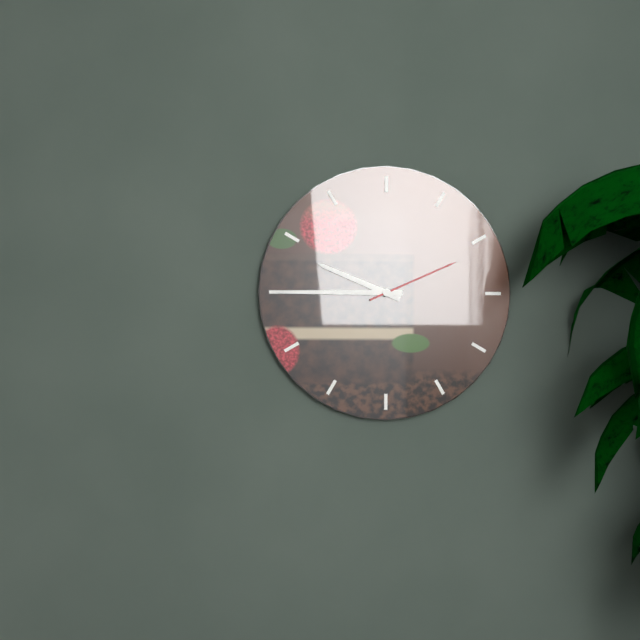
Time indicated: 9:45:11
